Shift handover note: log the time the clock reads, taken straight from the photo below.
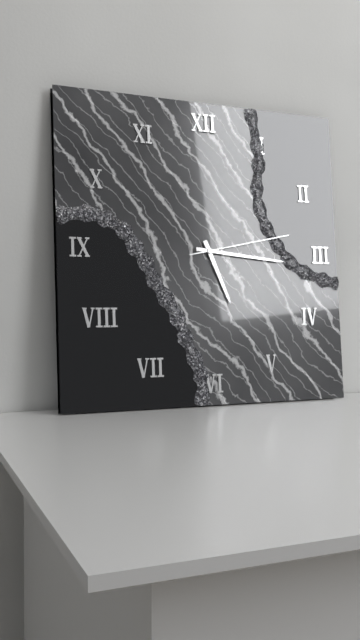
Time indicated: 5:16:13
